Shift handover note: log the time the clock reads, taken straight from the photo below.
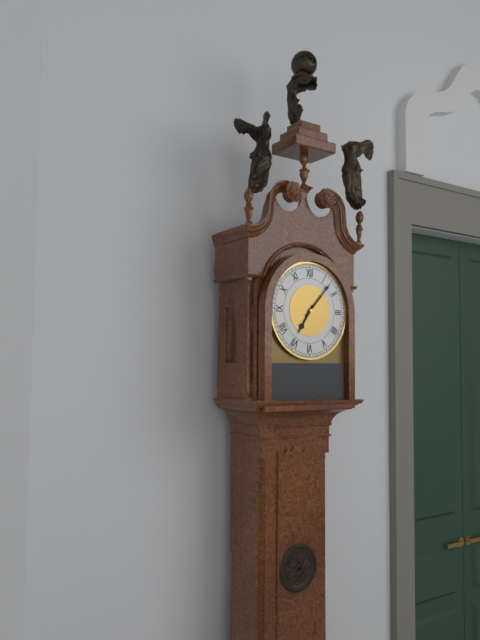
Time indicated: 7:07
